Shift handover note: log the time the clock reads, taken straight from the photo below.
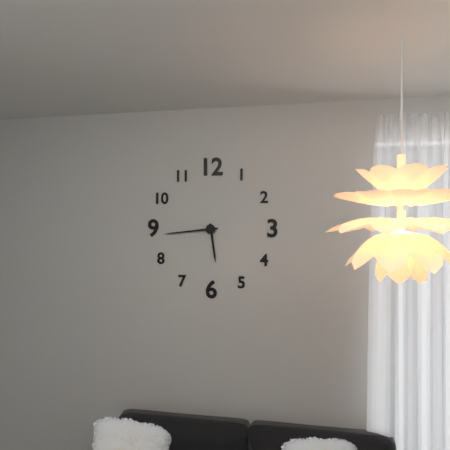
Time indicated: 5:44
